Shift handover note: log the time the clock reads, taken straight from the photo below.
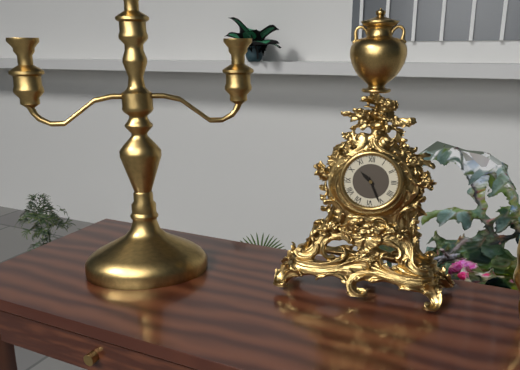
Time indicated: 10:26
